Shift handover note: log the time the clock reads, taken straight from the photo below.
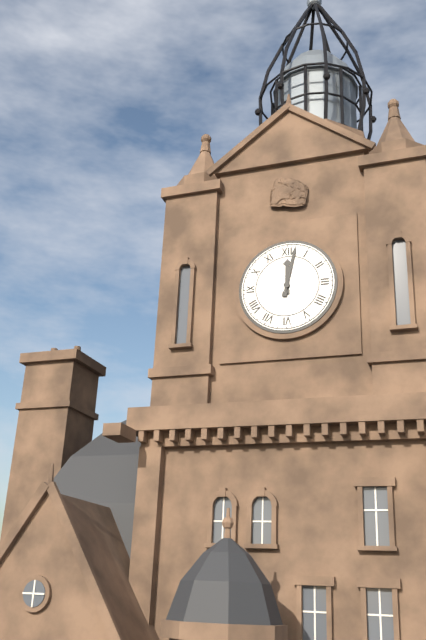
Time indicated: 12:02
